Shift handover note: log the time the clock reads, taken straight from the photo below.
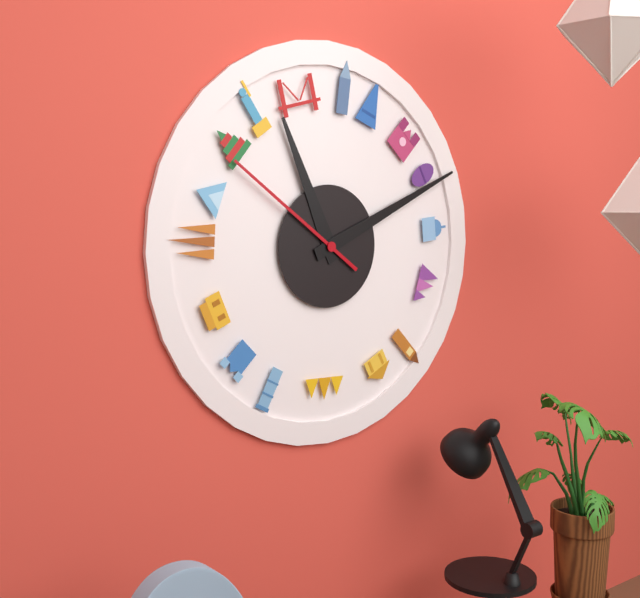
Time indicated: 11:11:51
